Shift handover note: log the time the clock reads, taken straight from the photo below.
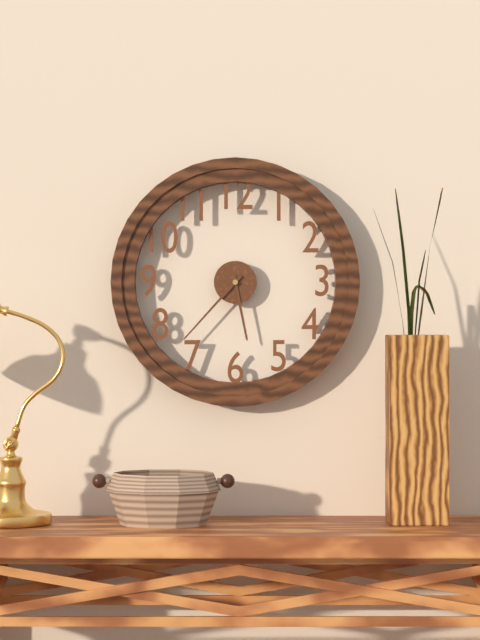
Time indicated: 5:37
